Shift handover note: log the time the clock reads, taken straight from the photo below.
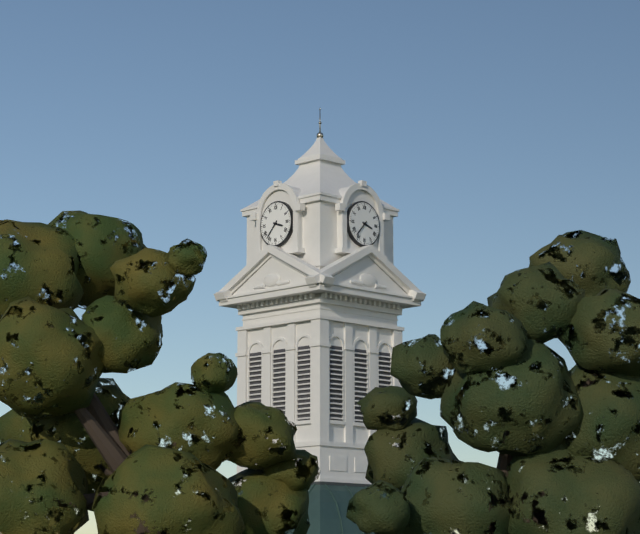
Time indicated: 3:37
